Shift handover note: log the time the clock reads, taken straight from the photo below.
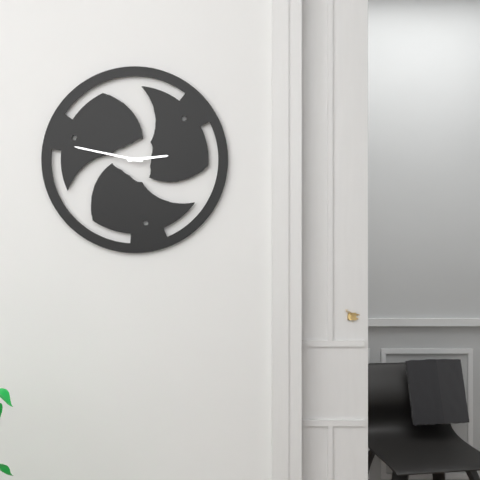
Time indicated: 2:47
